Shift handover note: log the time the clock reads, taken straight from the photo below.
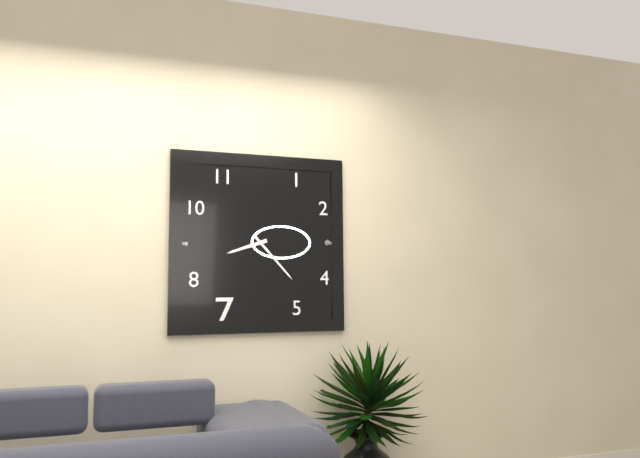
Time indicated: 8:23
